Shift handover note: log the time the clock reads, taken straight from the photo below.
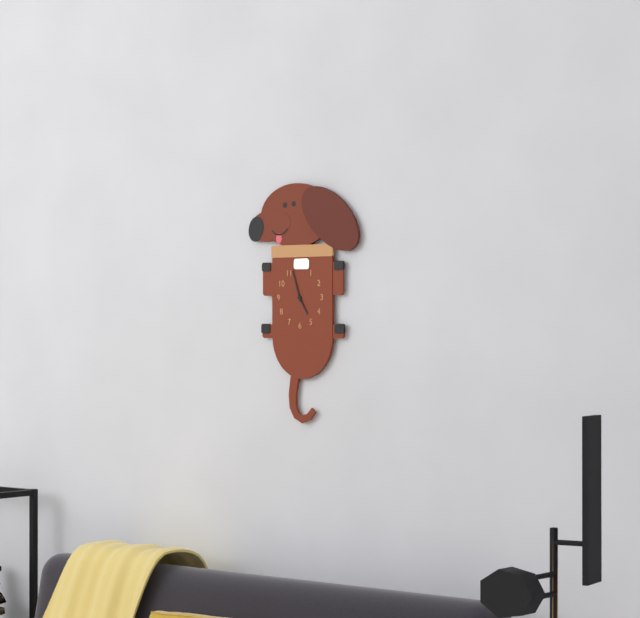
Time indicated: 4:57
